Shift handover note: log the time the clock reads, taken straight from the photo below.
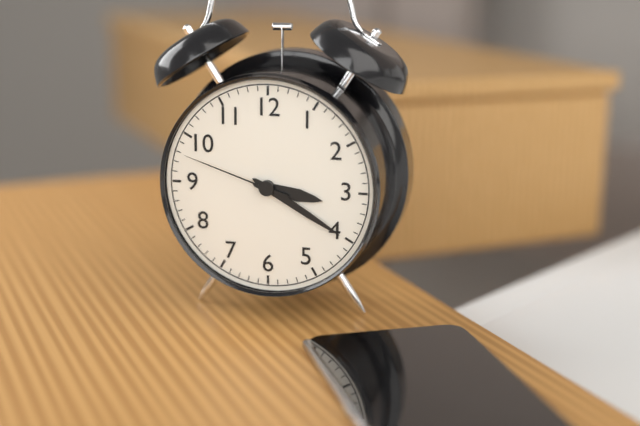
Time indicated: 3:20:48
